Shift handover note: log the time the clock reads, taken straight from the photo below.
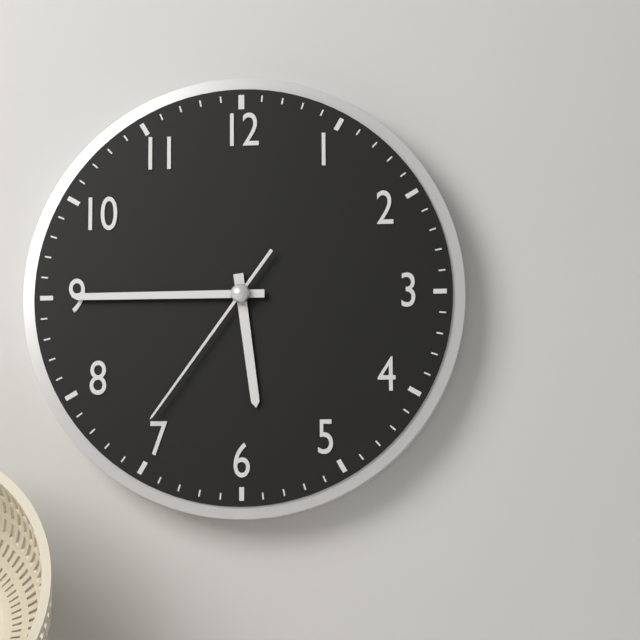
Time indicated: 5:45:36
